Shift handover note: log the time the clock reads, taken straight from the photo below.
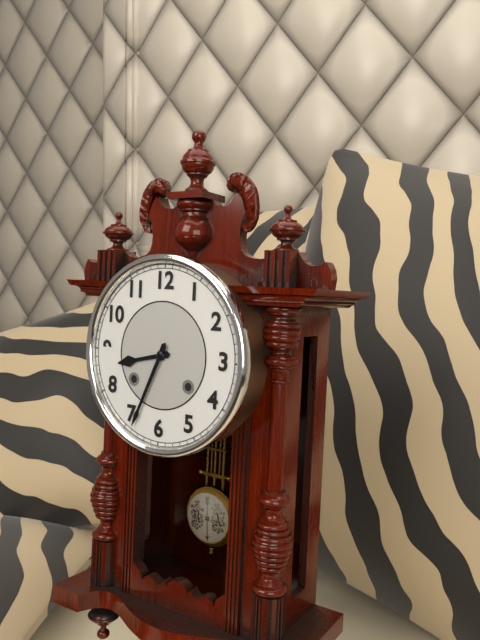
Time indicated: 8:34
